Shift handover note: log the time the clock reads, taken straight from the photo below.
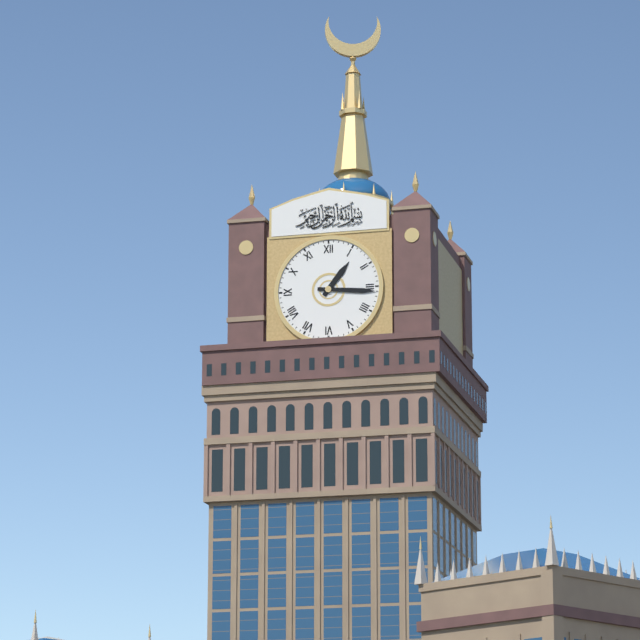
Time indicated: 1:16
